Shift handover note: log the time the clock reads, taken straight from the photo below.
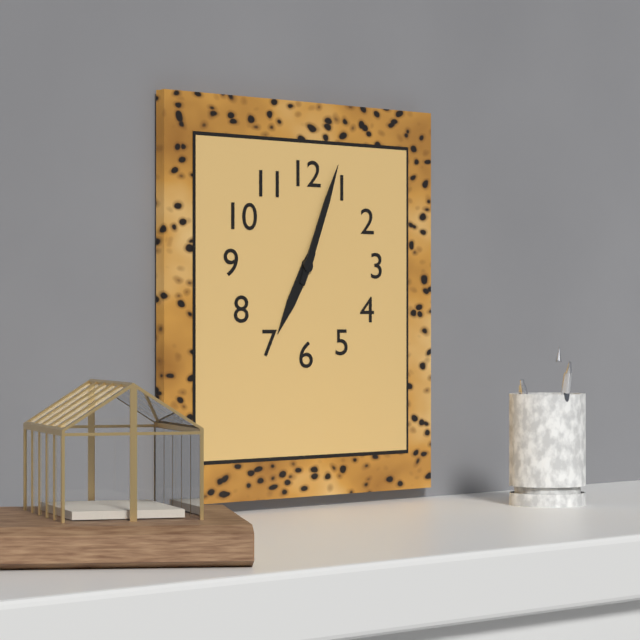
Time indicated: 7:04
